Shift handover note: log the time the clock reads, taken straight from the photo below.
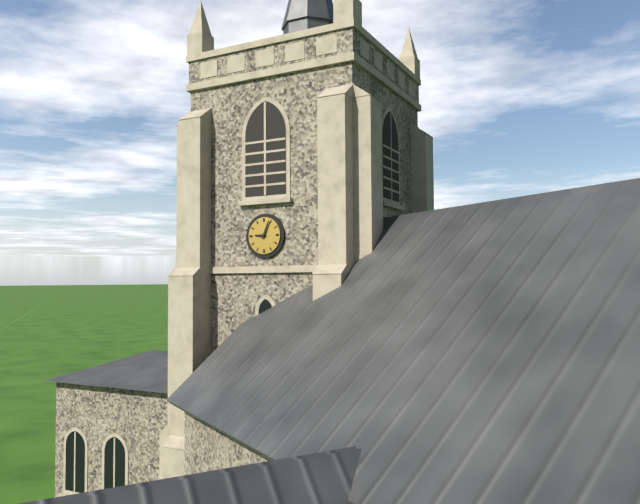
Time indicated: 9:04
